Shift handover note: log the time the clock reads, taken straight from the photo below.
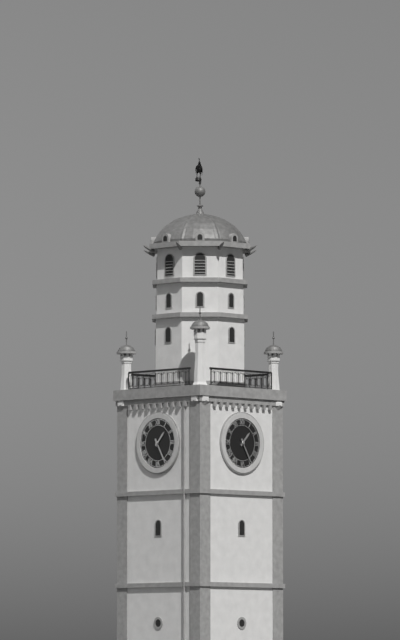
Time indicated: 1:25
